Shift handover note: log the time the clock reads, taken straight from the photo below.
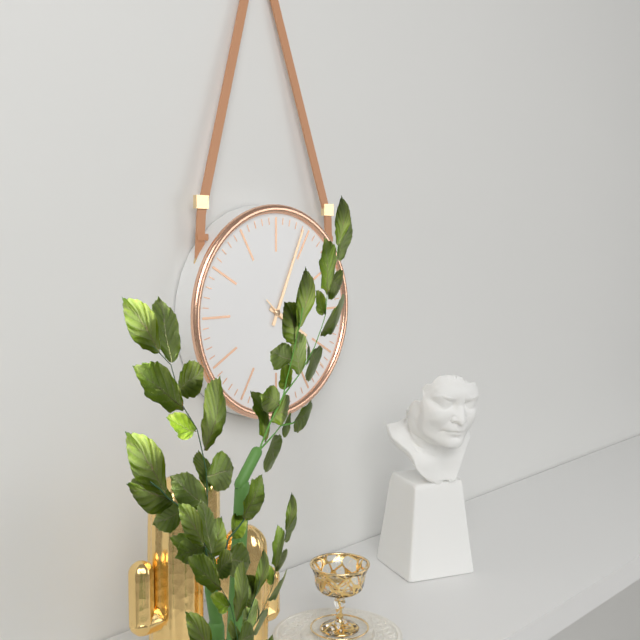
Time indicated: 4:04:22
